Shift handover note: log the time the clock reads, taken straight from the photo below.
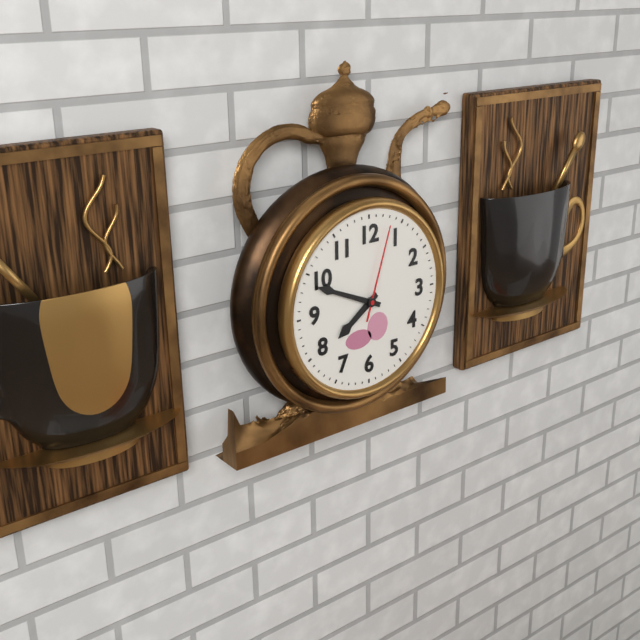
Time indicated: 7:49:03
